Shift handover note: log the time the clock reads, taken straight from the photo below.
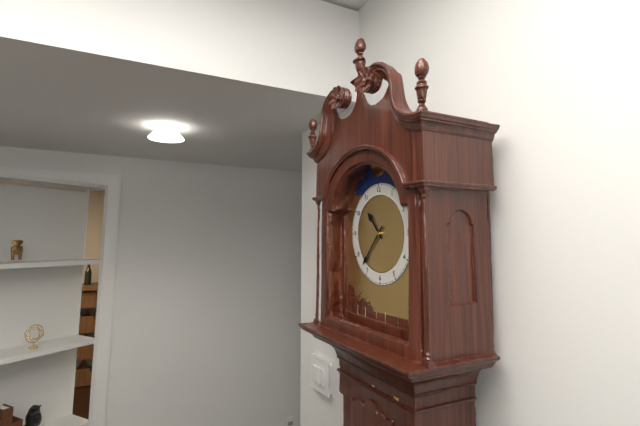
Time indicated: 10:37
